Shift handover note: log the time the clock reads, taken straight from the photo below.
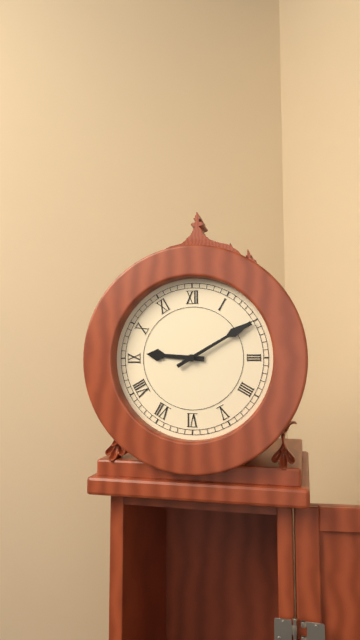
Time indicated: 9:10
